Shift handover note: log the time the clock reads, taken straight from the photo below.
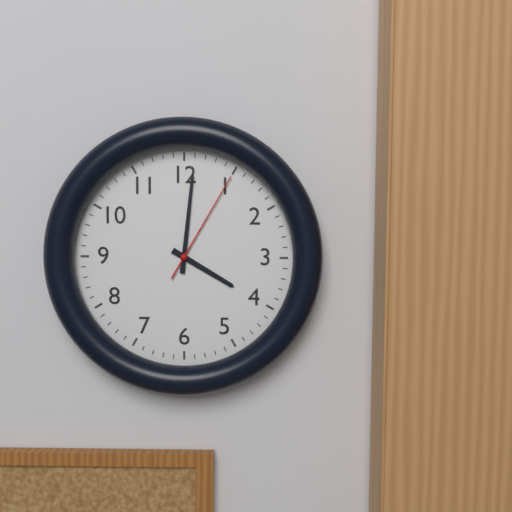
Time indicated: 4:01:05
